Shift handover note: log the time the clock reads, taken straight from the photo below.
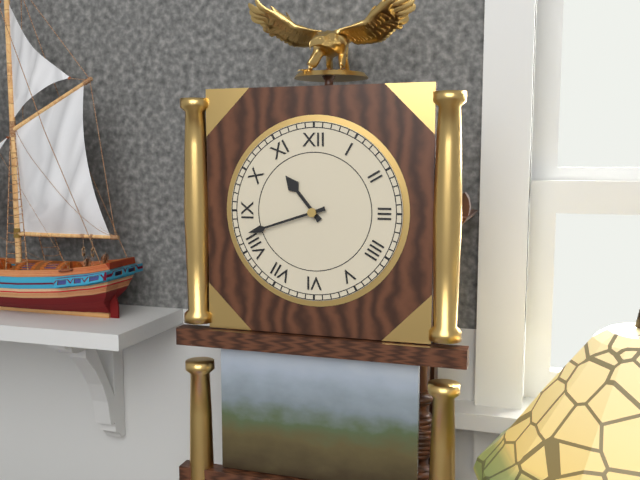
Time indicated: 10:42
